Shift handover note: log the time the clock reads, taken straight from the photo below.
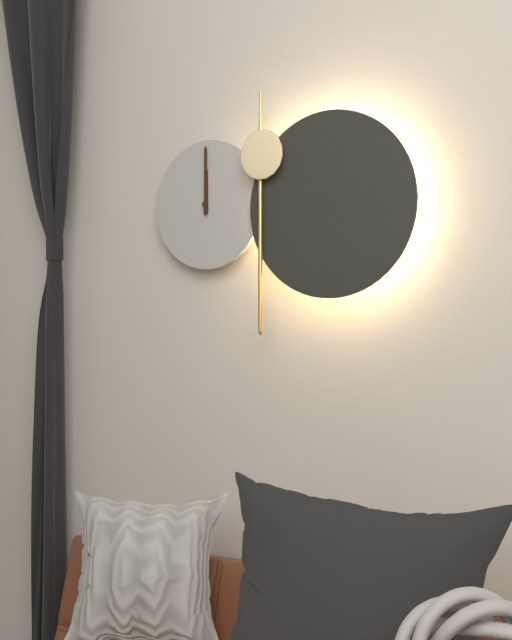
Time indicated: 12:00
